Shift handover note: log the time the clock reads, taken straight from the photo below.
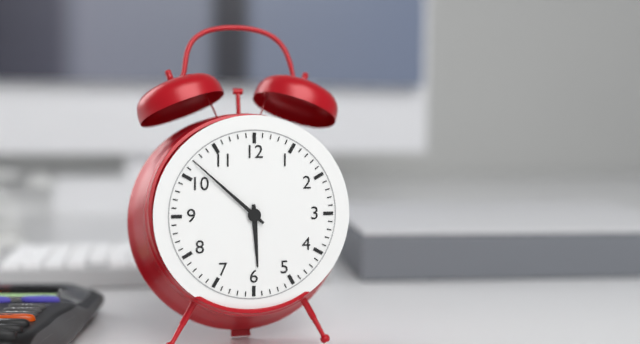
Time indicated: 5:52
